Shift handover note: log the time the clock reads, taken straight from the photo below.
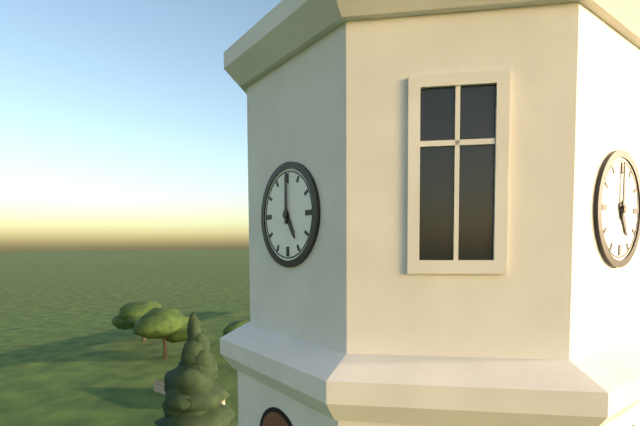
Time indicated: 5:00
